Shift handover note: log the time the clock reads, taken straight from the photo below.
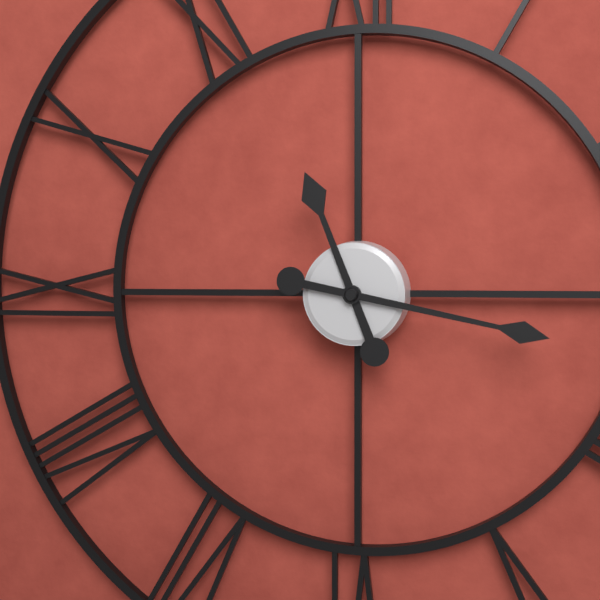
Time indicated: 11:17
